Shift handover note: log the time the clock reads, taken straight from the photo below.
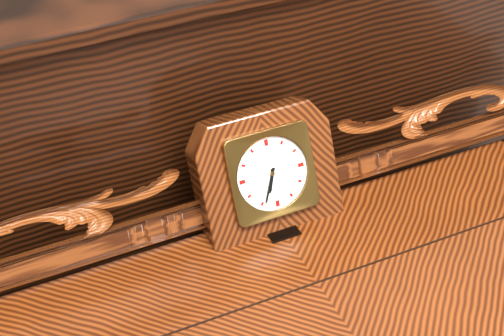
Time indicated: 6:34
